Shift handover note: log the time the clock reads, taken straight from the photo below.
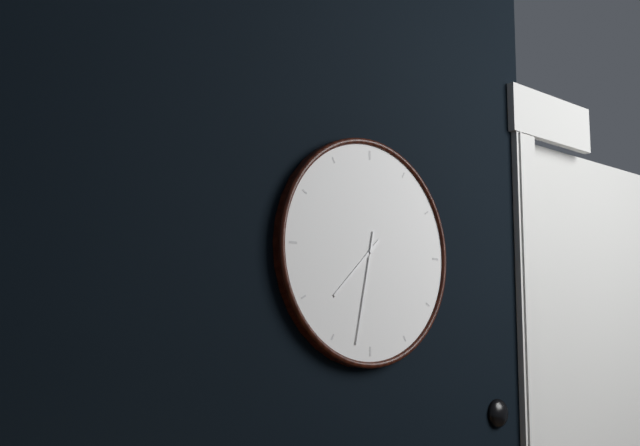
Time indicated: 7:32
